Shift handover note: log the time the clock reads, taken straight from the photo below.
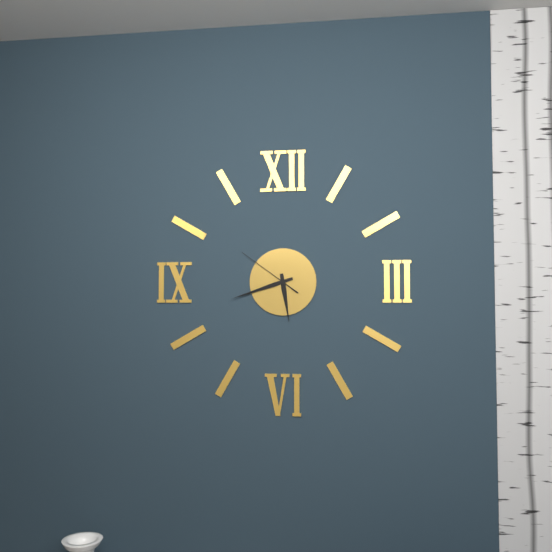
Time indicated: 5:42:51
